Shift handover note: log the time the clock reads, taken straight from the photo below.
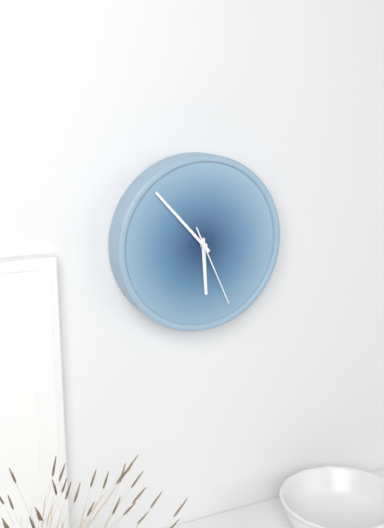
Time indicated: 5:53:26
